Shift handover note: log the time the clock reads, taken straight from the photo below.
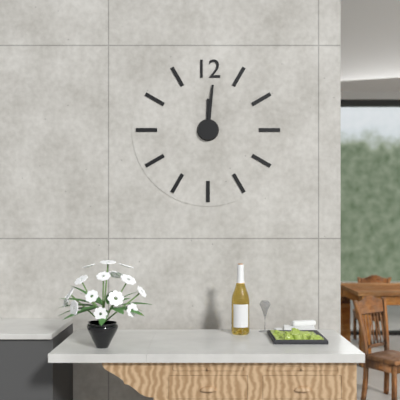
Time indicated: 12:01
